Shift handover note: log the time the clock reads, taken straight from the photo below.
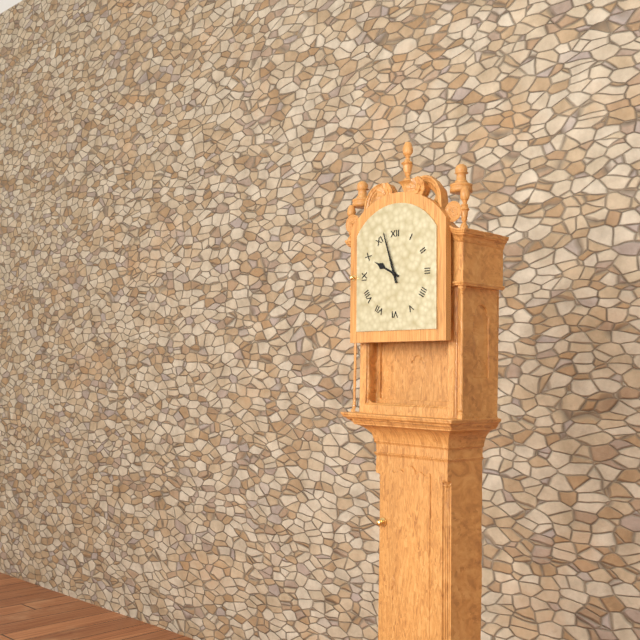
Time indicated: 9:57
